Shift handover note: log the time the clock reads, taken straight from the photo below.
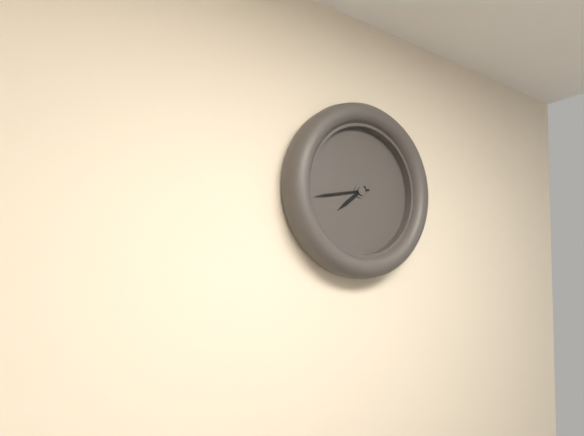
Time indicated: 7:43
